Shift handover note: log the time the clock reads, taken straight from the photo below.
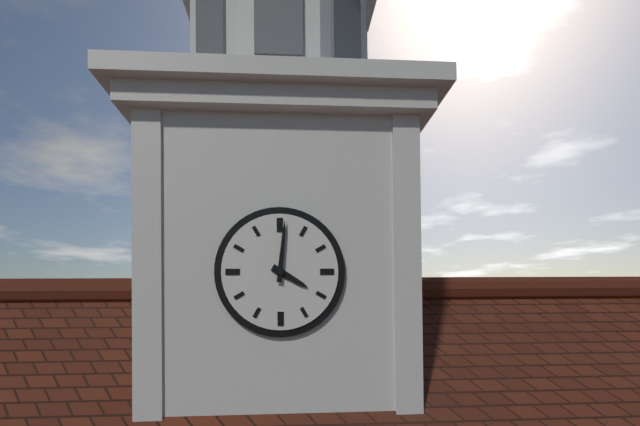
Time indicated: 4:01
